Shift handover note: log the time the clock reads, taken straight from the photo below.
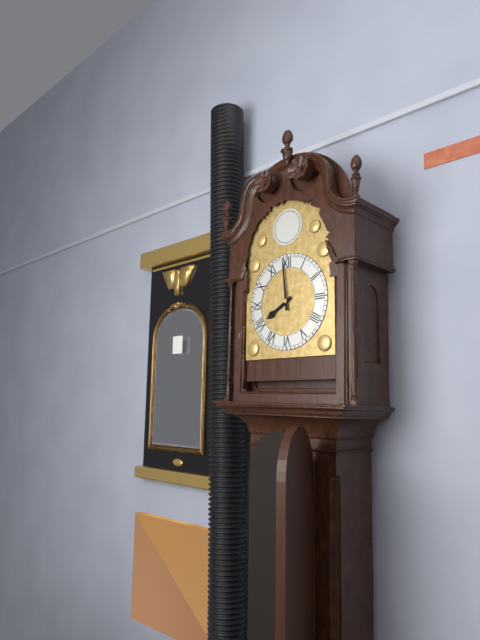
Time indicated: 7:59
